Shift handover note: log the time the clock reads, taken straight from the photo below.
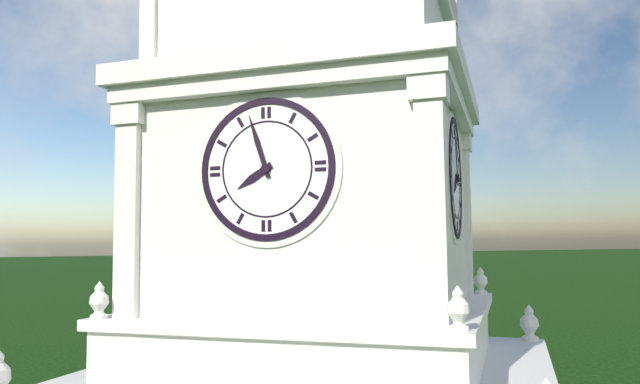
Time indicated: 7:57
